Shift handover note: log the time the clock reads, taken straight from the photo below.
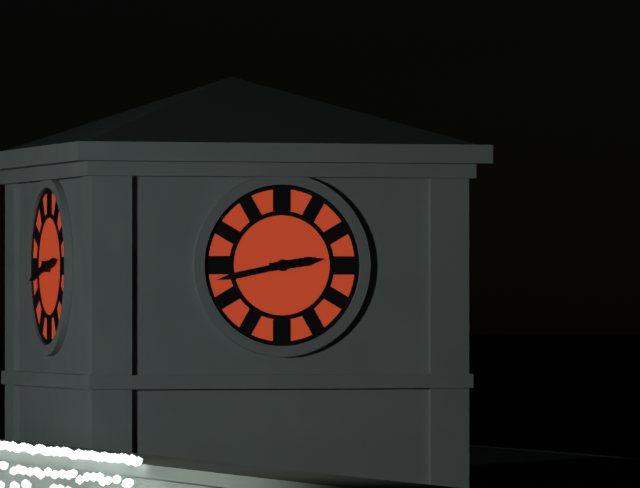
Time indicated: 2:43
